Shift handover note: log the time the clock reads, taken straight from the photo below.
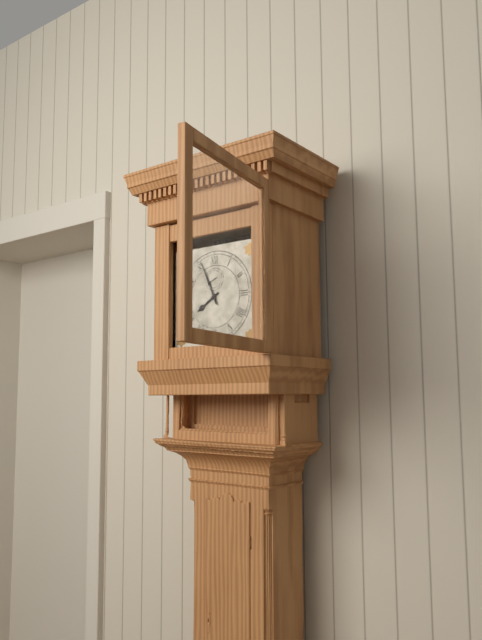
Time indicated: 7:56
